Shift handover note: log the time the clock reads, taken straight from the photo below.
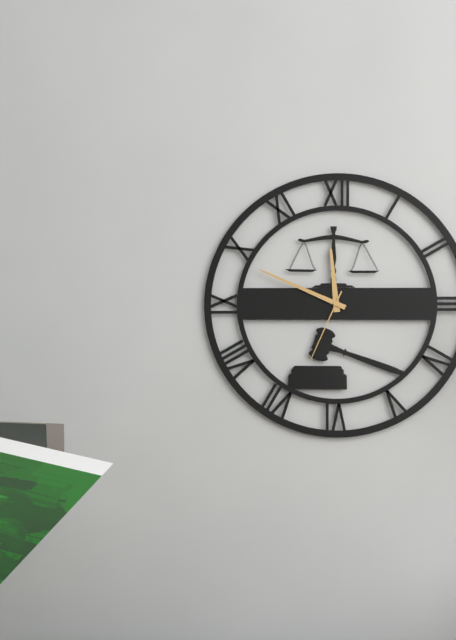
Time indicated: 11:49:34
